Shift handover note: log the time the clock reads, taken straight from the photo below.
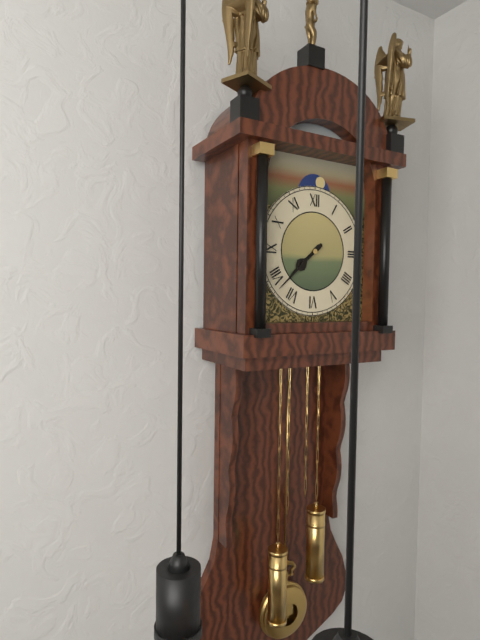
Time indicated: 7:38
